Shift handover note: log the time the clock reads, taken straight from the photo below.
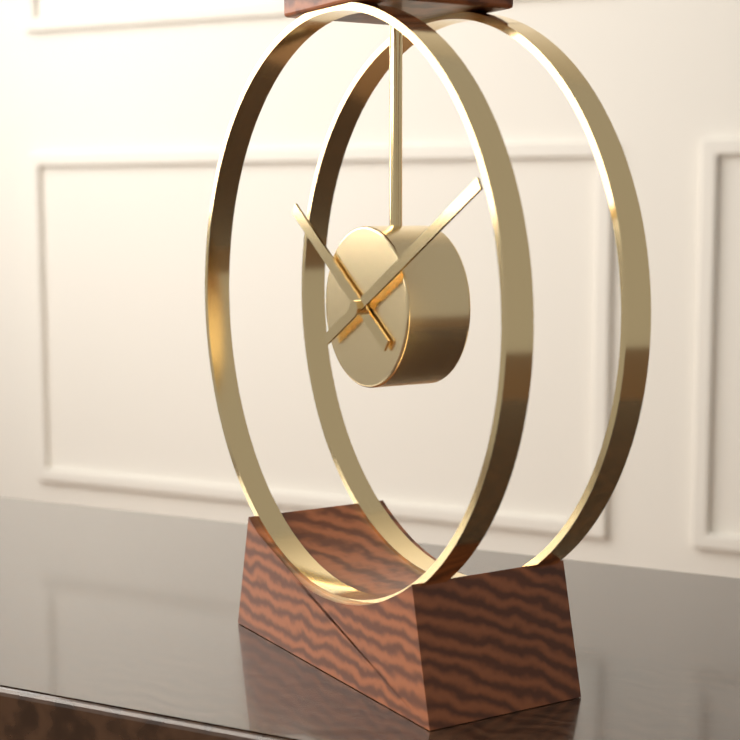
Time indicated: 10:10
